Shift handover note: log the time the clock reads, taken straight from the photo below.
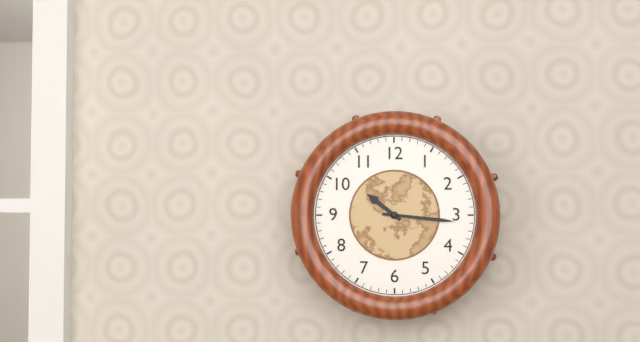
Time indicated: 10:16
